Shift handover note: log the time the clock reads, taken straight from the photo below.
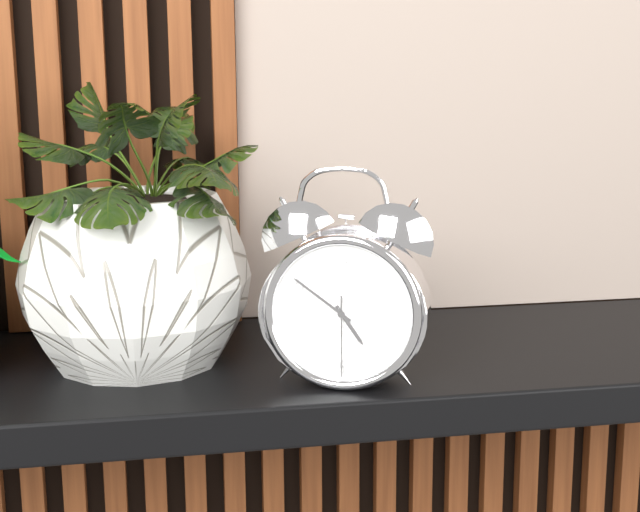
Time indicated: 4:51:30
